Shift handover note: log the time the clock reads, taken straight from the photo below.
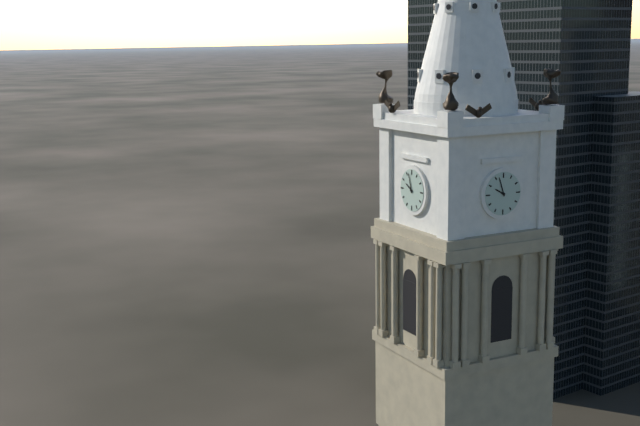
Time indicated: 9:57
